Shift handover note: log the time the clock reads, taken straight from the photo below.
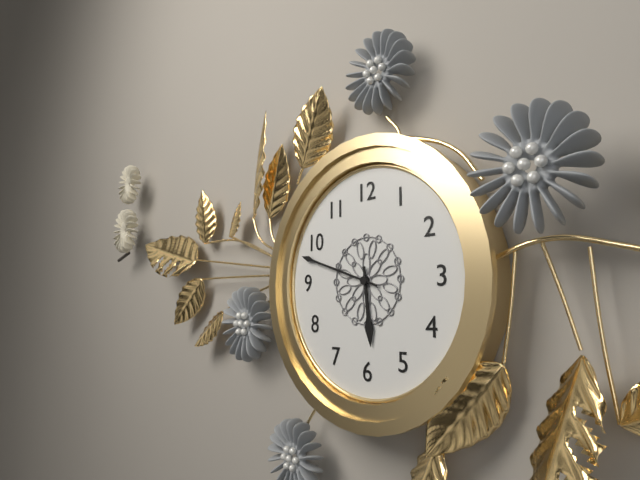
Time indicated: 5:48
